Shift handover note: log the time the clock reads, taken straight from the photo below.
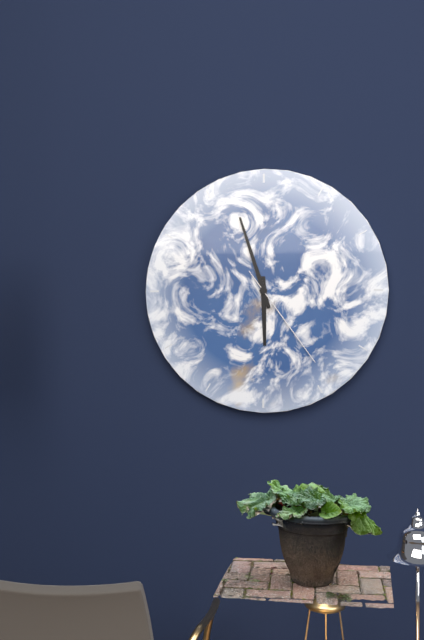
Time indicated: 5:57:24
